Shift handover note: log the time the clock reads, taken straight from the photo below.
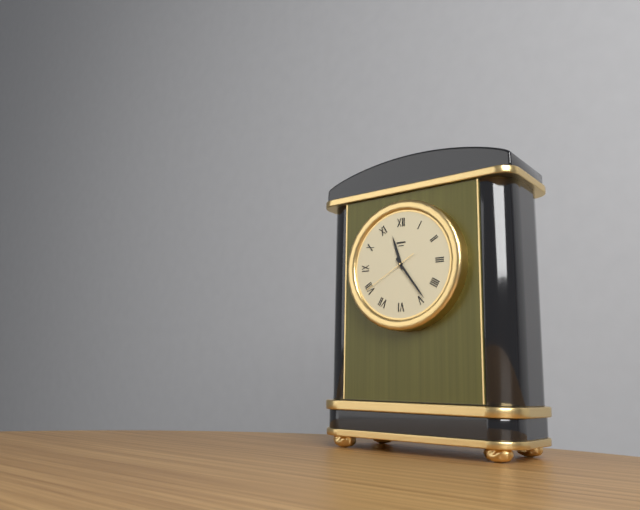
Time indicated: 11:24:40
